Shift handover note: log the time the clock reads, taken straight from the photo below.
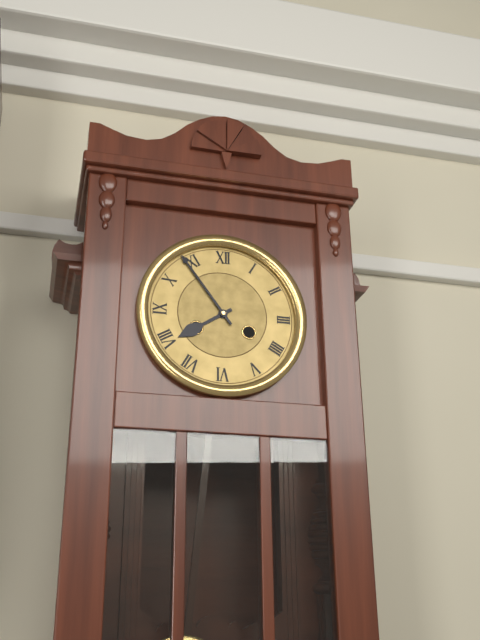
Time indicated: 7:54
